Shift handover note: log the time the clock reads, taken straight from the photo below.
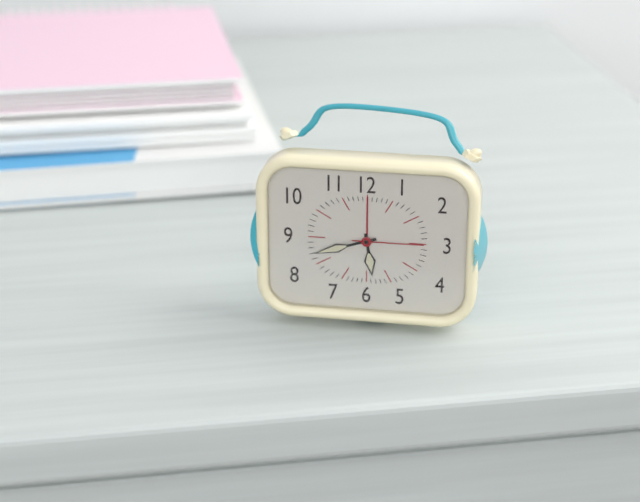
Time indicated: 5:42:15
